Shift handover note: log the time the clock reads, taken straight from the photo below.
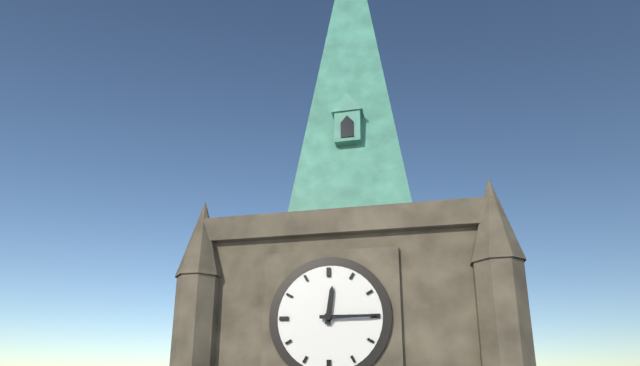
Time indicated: 12:15
